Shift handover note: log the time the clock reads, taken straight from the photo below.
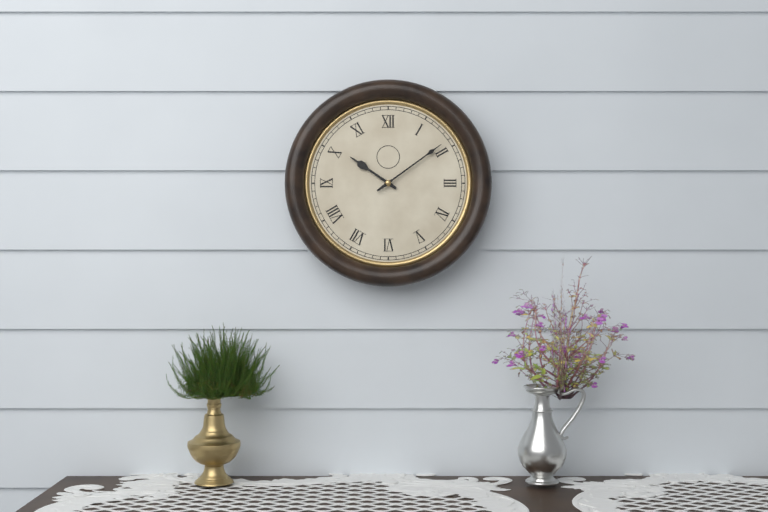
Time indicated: 10:09
